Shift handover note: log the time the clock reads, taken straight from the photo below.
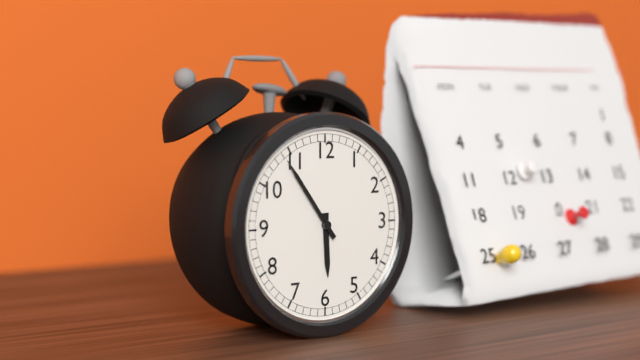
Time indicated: 5:54
